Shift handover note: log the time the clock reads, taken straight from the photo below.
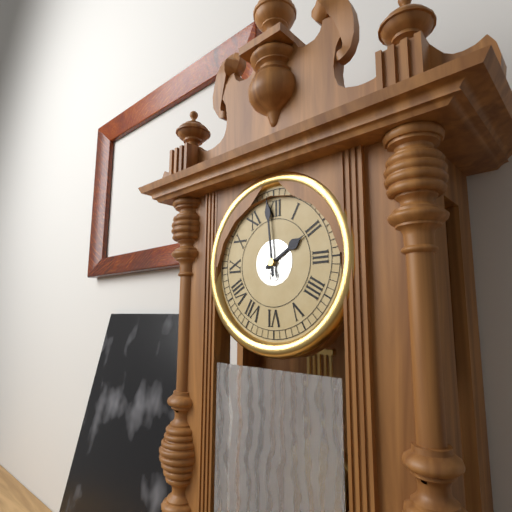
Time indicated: 1:59
